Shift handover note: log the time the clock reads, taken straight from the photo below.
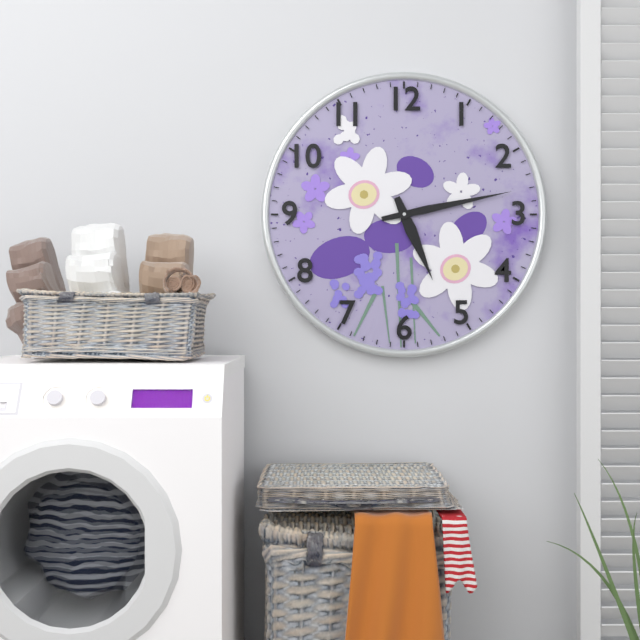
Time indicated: 5:13
